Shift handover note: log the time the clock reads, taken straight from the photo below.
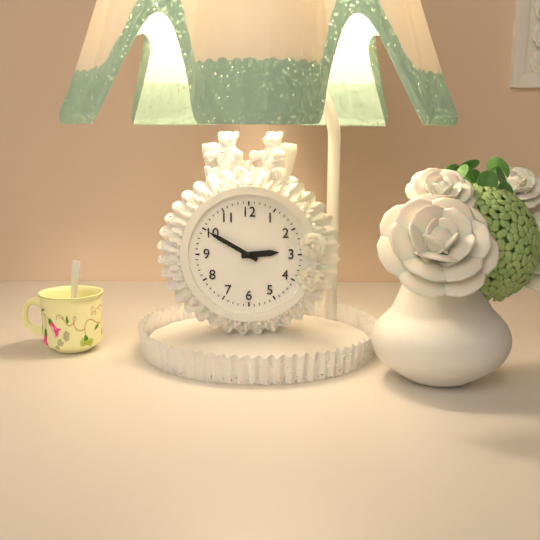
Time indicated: 2:50
